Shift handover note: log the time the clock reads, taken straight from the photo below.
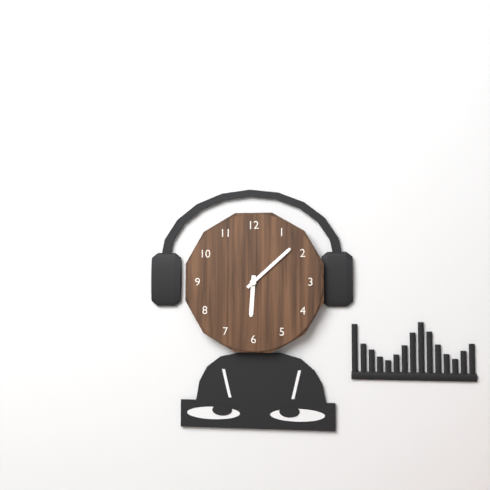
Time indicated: 6:08
